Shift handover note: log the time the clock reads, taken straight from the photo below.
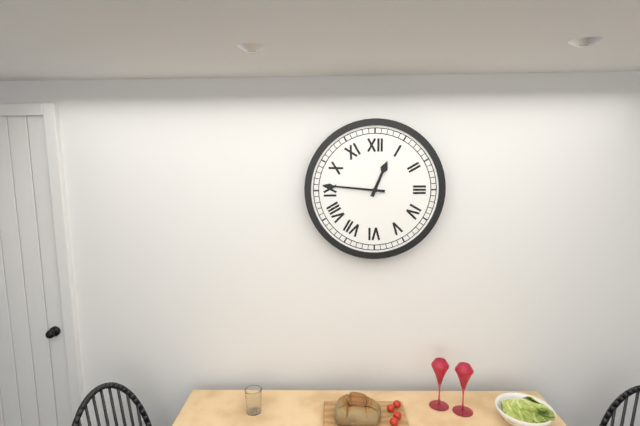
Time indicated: 12:46
